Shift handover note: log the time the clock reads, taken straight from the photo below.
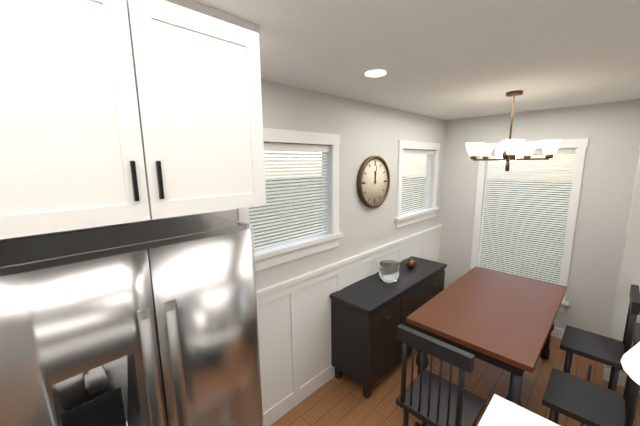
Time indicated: 12:01
